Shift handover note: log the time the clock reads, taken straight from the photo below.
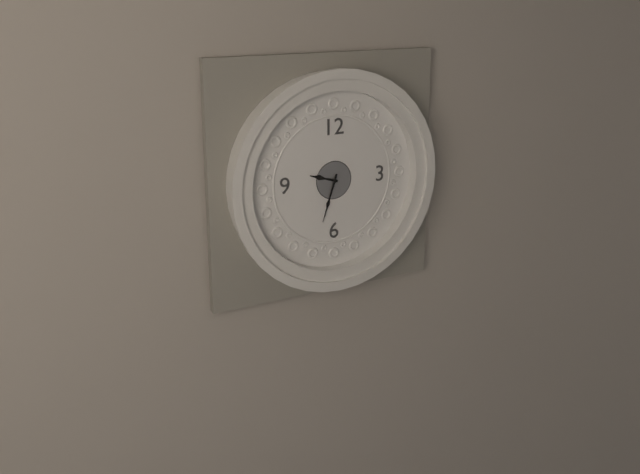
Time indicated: 9:33
